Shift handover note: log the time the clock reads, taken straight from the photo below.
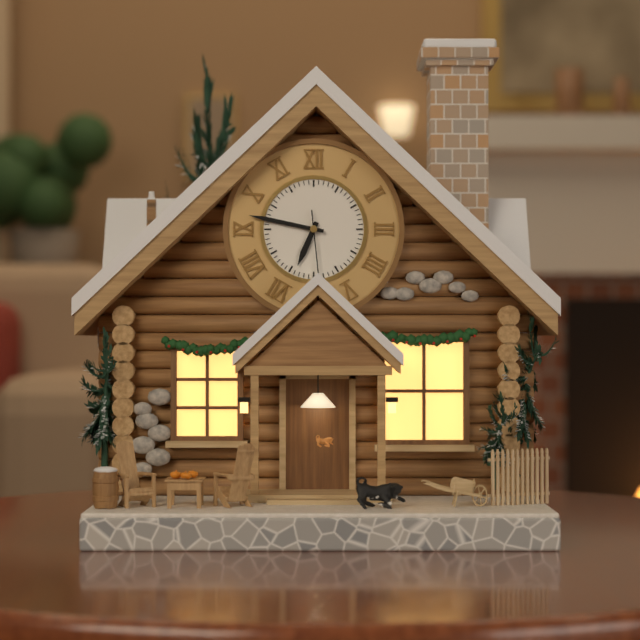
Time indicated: 6:47
